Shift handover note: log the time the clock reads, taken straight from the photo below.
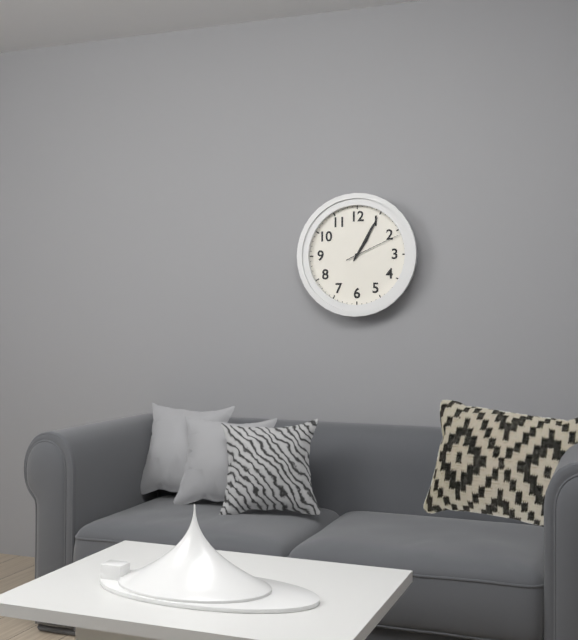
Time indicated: 1:05:11
